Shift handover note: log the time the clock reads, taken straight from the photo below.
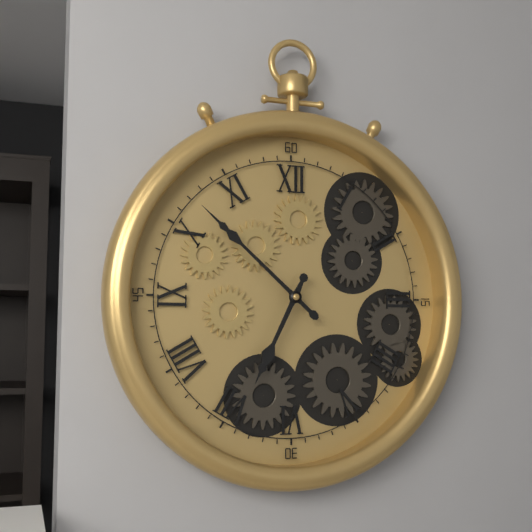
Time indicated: 6:52
